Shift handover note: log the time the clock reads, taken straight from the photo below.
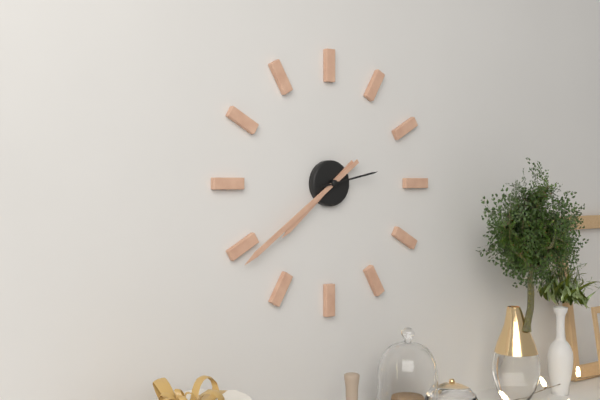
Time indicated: 7:39:13
